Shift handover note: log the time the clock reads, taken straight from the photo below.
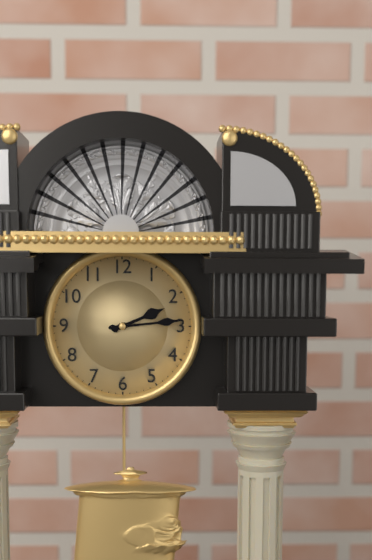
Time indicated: 2:14
